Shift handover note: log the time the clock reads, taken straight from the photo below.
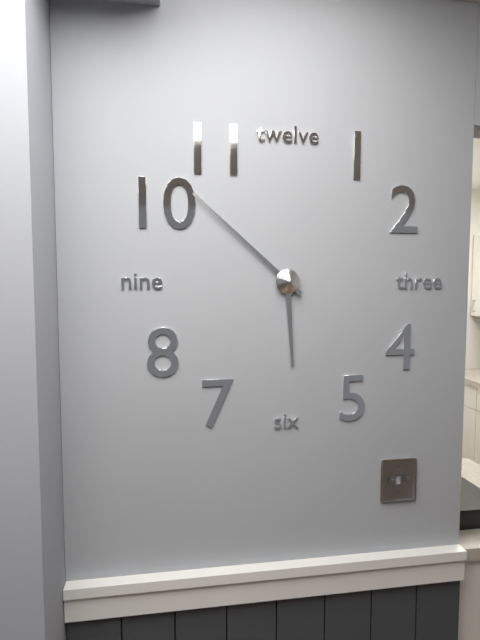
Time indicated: 5:52
